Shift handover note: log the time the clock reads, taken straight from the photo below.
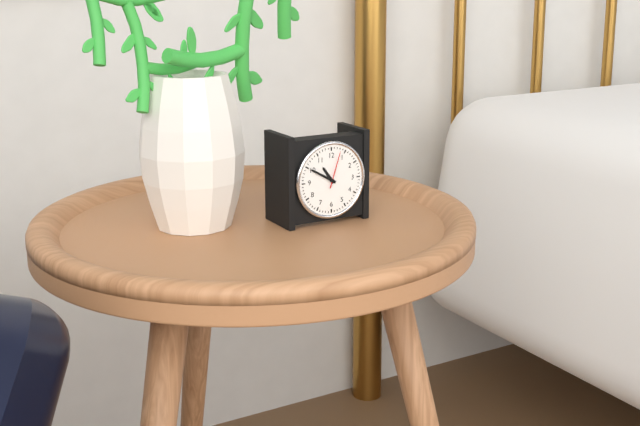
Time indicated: 10:50
